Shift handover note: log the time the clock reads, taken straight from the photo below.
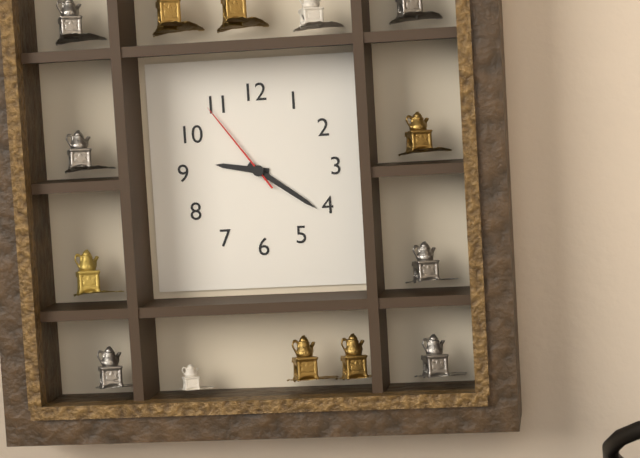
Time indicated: 9:21:54
